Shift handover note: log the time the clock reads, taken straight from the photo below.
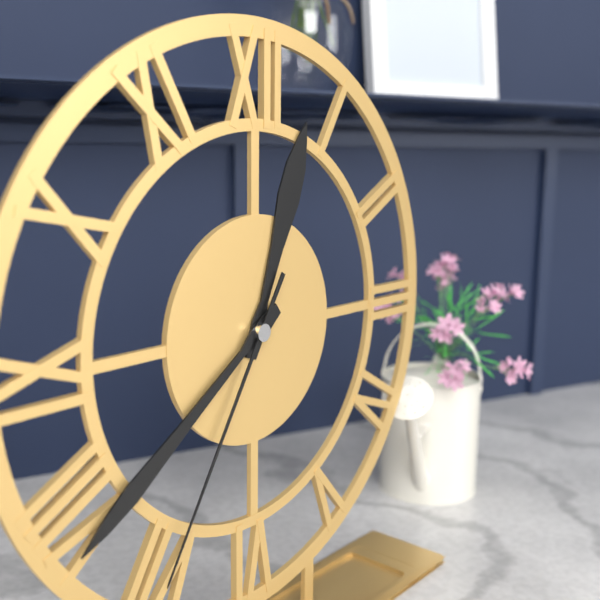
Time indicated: 12:39:35
